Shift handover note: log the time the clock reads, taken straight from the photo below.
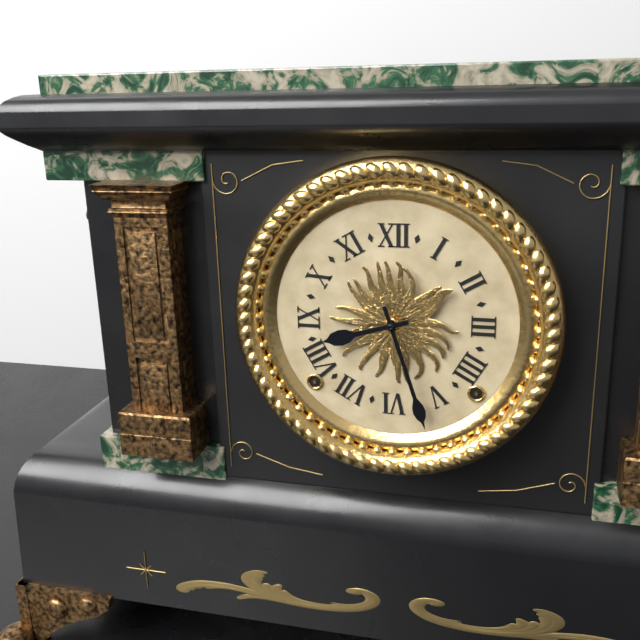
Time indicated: 8:27
